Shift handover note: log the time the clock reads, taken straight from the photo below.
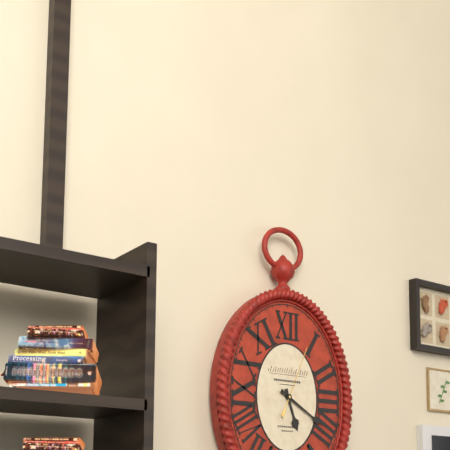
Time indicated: 5:20:04
